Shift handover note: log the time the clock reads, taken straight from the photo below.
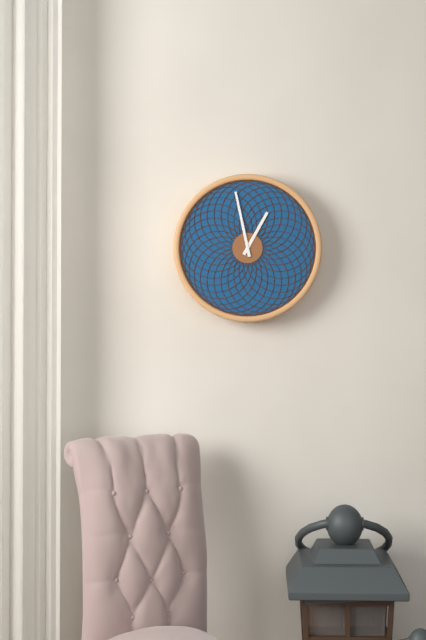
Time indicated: 12:58
